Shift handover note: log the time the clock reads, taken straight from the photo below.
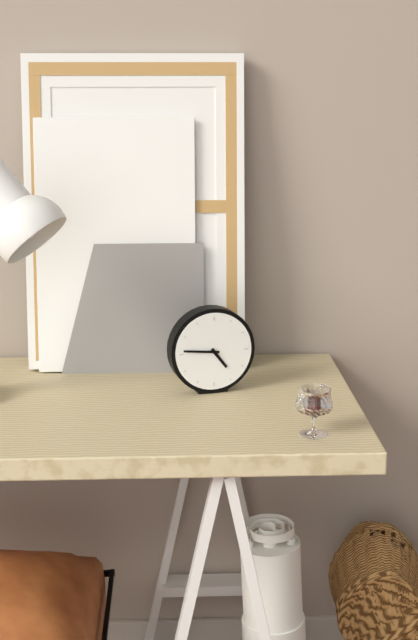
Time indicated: 4:46
